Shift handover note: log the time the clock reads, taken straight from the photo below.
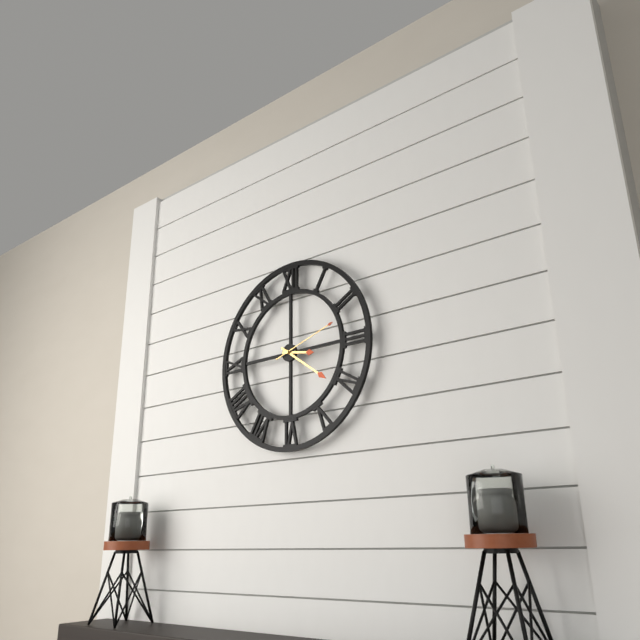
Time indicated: 3:21:12
